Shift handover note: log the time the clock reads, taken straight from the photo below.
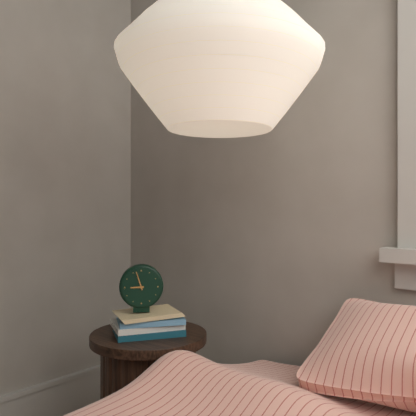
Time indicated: 8:57
